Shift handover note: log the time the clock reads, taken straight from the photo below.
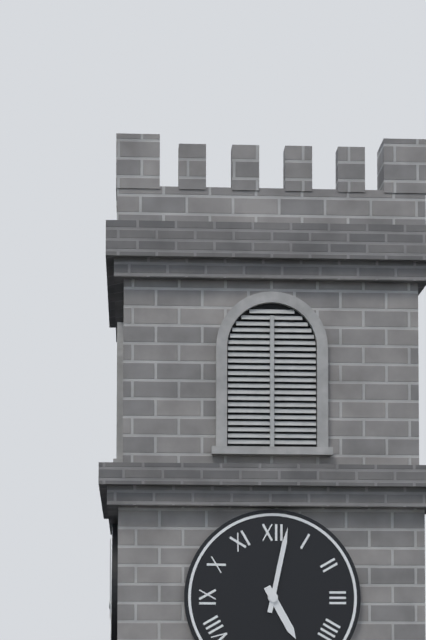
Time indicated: 5:02
